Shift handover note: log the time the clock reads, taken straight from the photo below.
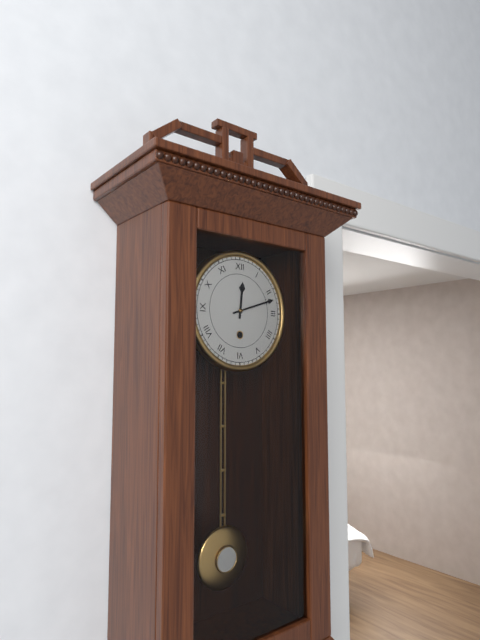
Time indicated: 12:12
